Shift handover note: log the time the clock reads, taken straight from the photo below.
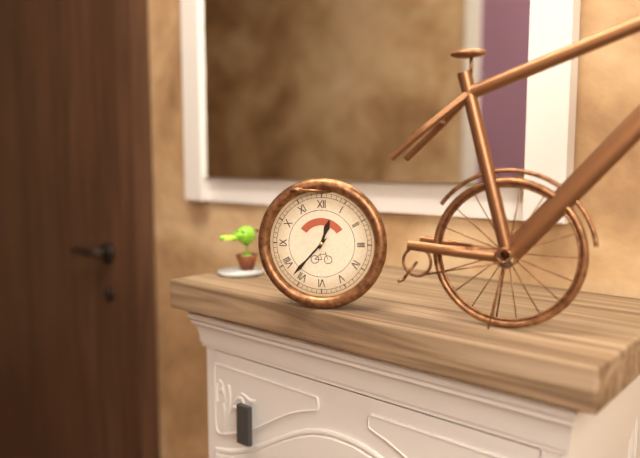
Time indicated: 12:37
